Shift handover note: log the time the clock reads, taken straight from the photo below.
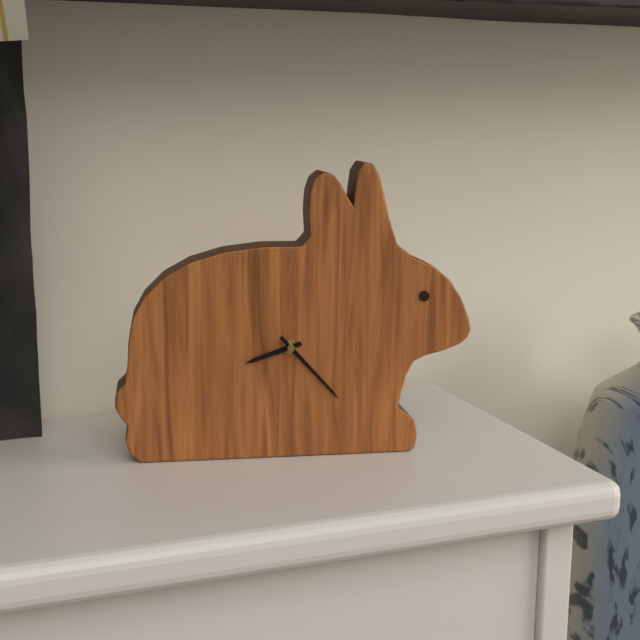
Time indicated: 8:23
